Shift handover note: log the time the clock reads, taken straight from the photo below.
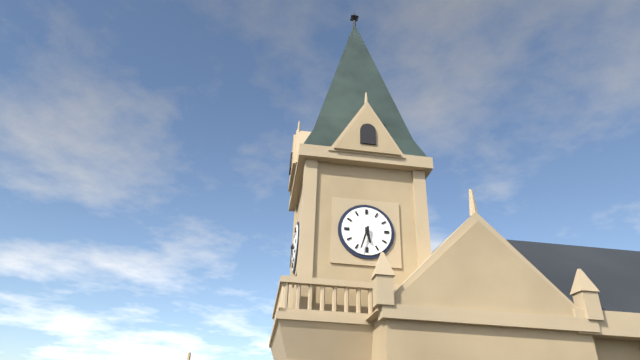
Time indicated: 5:33
